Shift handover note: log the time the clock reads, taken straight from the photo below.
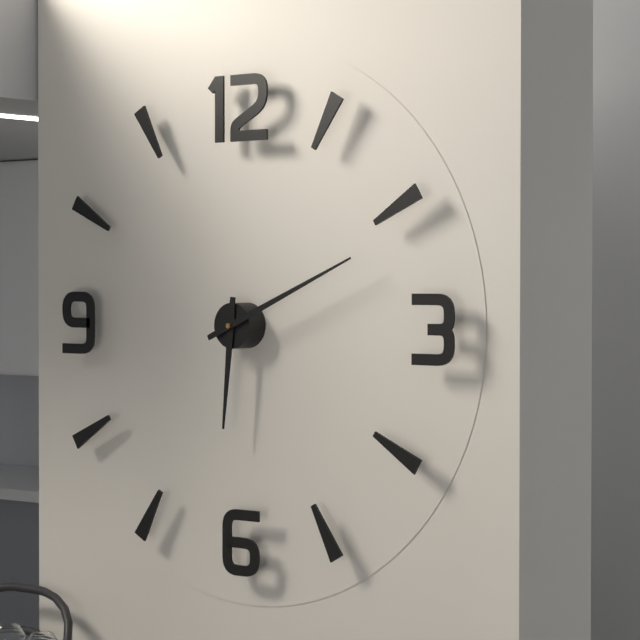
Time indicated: 6:11
